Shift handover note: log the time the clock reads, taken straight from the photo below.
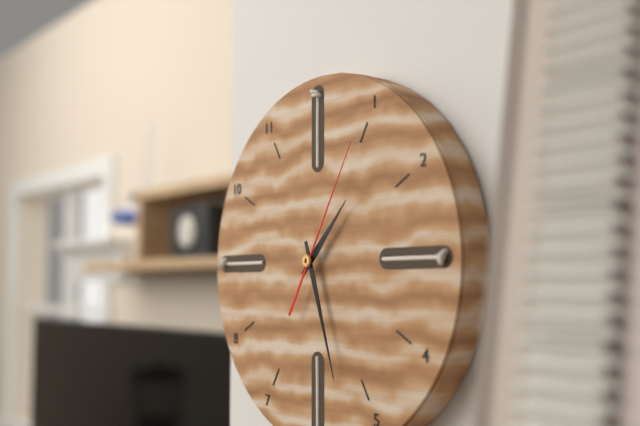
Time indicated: 1:27:05
